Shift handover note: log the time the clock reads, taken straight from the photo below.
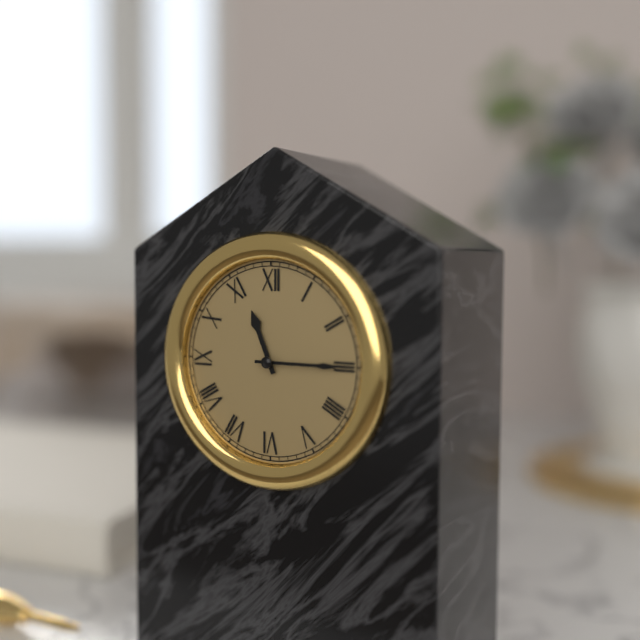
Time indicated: 11:15
